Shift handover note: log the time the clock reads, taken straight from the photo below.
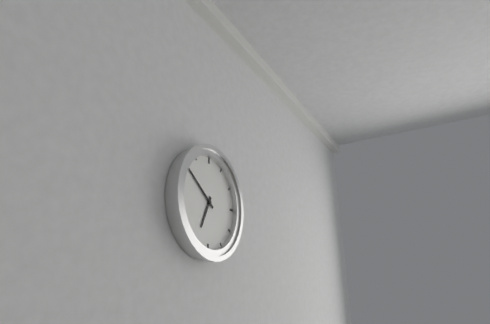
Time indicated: 6:51
